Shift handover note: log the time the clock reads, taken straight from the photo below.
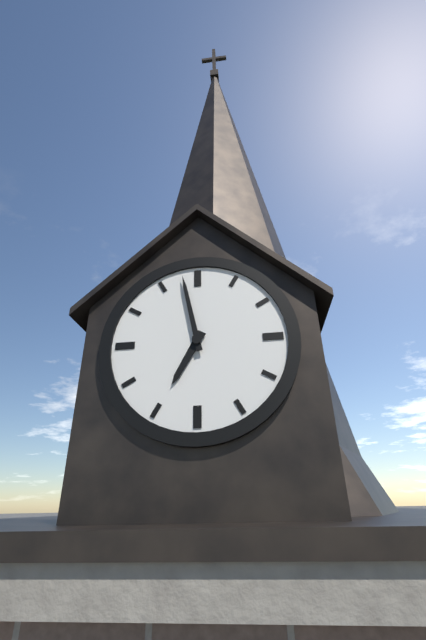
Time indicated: 6:58
